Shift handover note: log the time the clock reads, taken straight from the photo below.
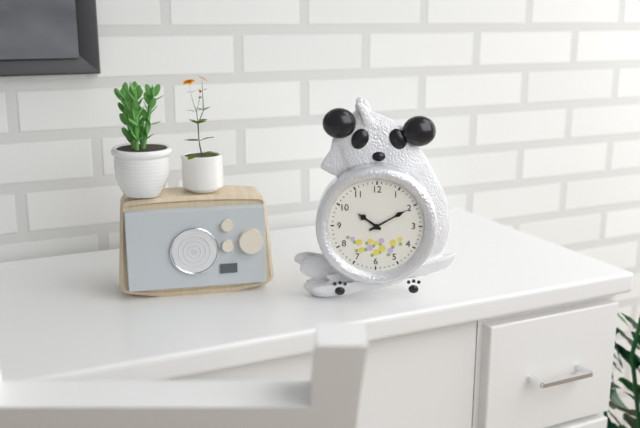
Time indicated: 10:10
